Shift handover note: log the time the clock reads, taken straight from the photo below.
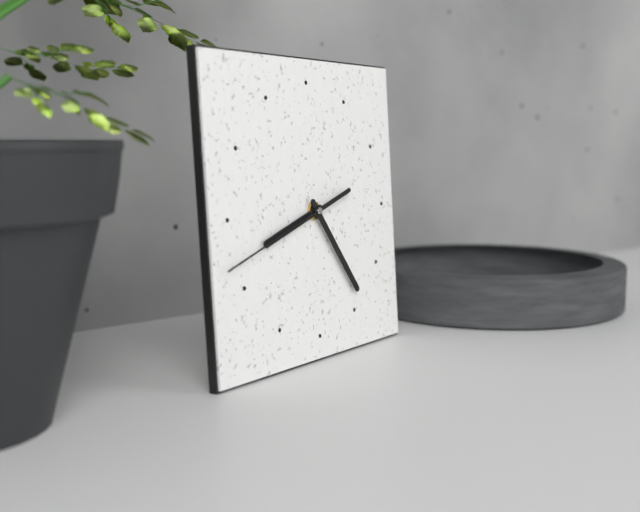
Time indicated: 8:24:42
